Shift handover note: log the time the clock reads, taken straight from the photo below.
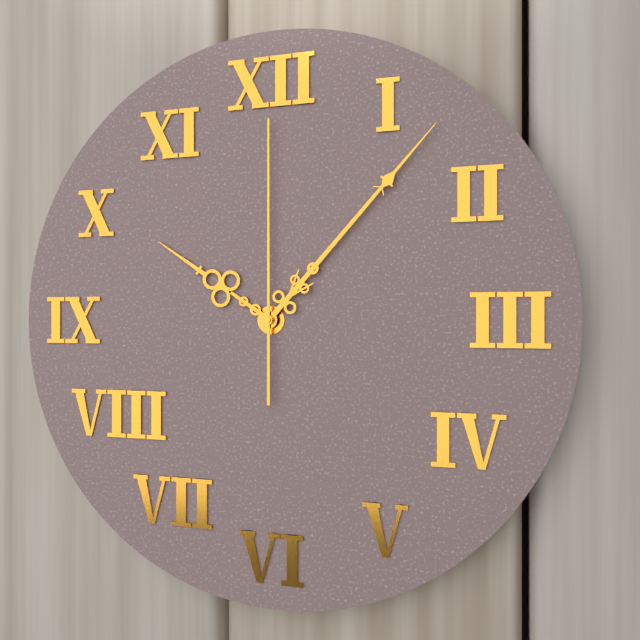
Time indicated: 10:07:00
